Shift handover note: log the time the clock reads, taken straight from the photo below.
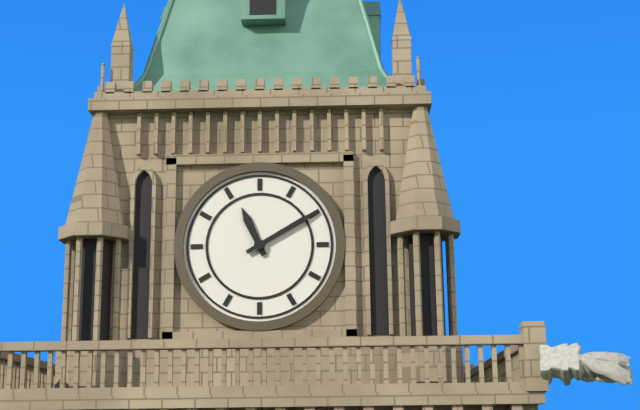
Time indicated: 11:10
